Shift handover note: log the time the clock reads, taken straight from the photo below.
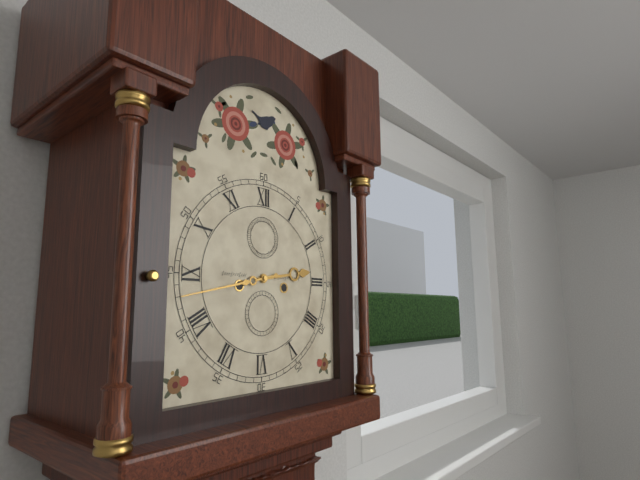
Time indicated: 2:43
